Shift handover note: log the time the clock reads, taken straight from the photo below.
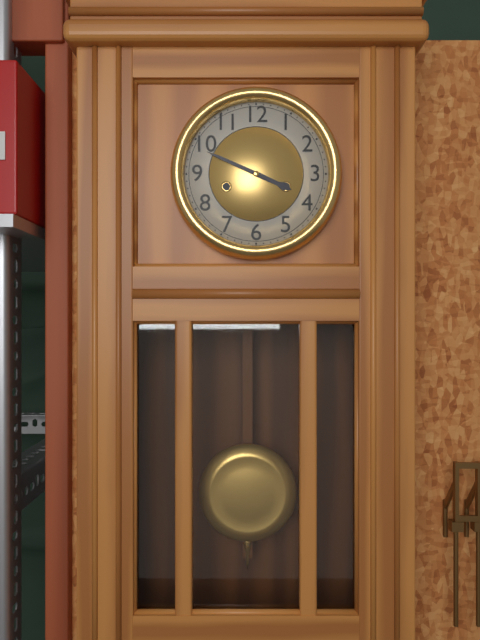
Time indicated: 3:49
